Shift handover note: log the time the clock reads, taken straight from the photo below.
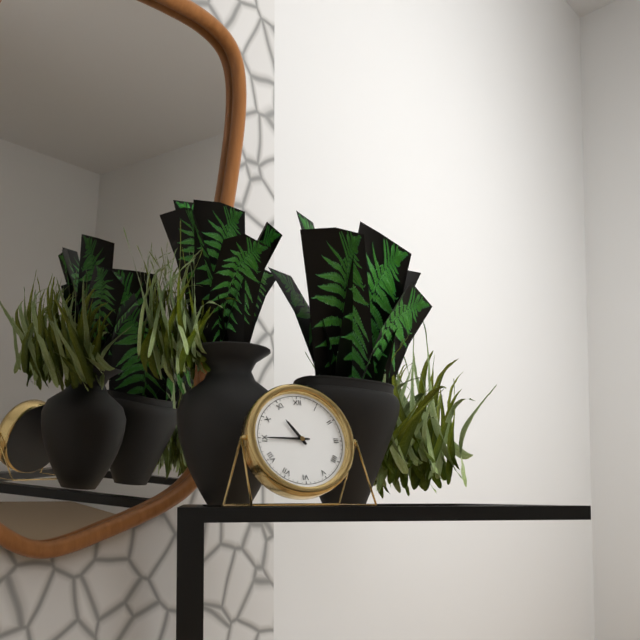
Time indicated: 10:45
